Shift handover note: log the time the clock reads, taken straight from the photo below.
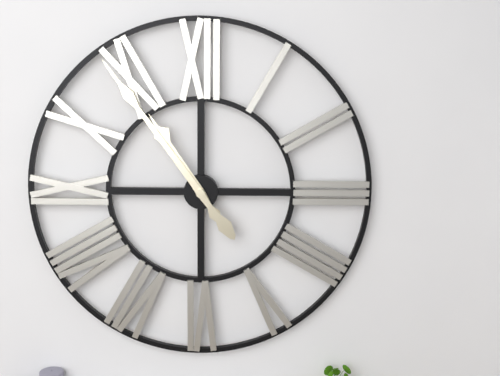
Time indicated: 10:54
